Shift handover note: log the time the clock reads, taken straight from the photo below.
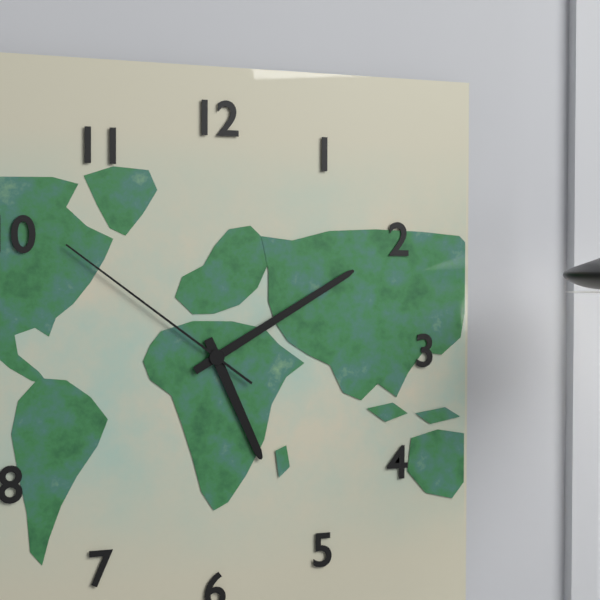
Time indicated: 5:10:51
